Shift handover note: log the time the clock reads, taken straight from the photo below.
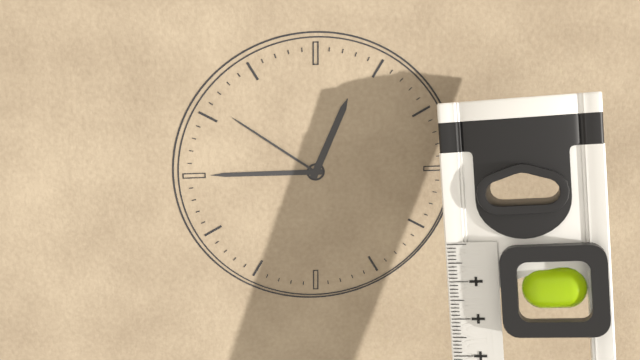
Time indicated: 12:45:51
